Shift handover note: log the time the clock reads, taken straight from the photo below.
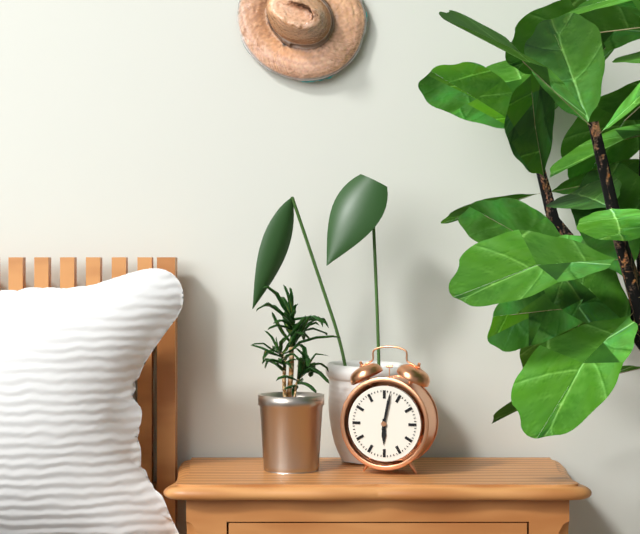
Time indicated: 6:02
